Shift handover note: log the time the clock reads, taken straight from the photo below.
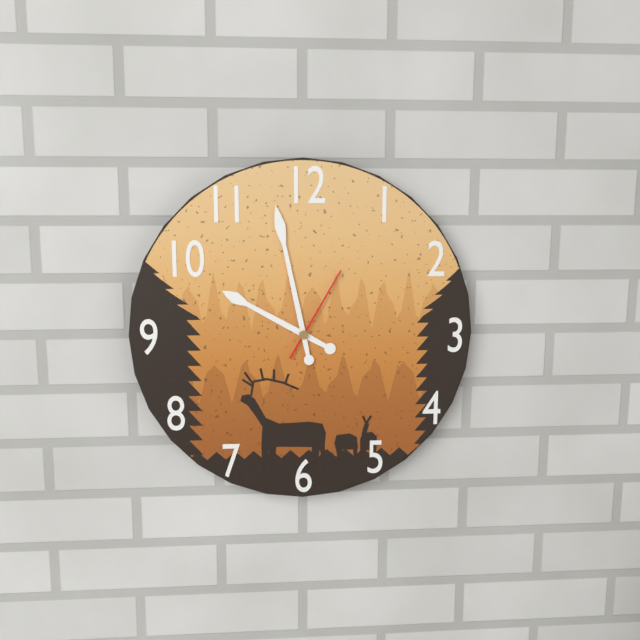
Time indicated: 9:58:05
